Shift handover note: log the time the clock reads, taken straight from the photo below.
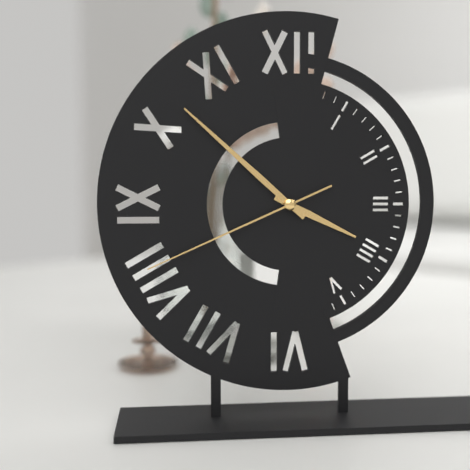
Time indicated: 3:52:41
